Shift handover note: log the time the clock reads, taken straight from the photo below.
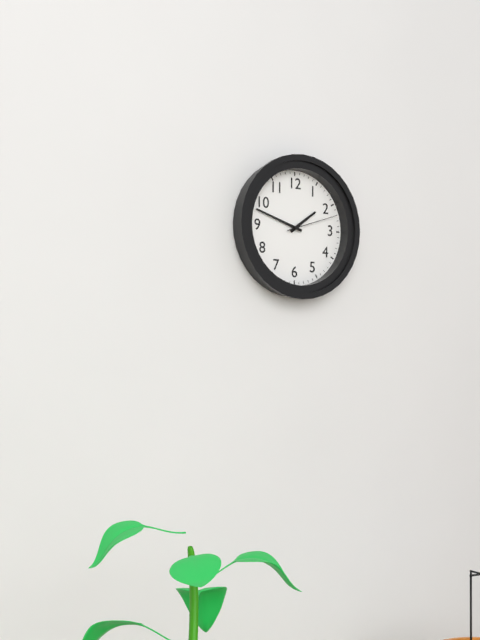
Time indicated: 1:48:12
